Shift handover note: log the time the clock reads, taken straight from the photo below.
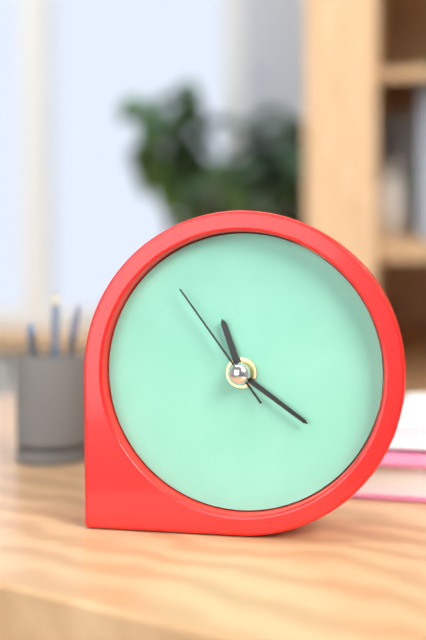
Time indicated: 11:21:54
